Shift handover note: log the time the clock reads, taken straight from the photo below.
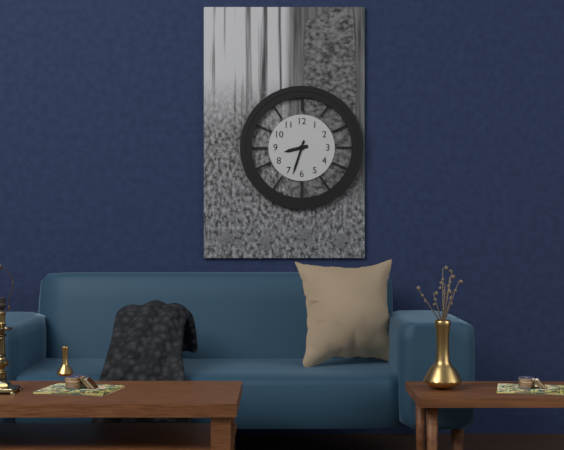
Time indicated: 8:33
